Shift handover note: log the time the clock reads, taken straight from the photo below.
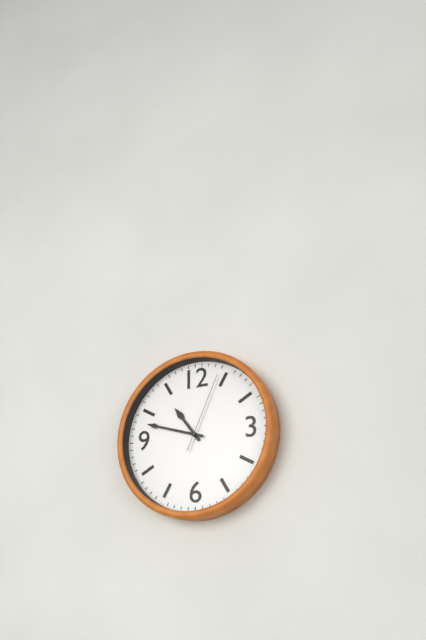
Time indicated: 10:48:04
